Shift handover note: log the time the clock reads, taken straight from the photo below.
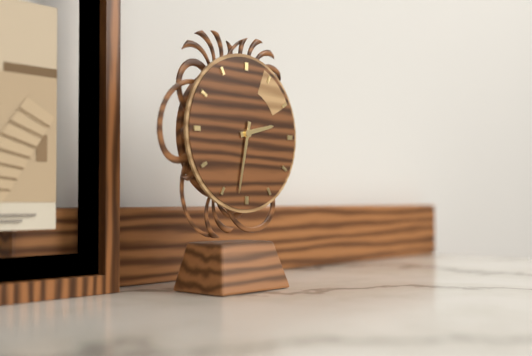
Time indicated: 2:32
